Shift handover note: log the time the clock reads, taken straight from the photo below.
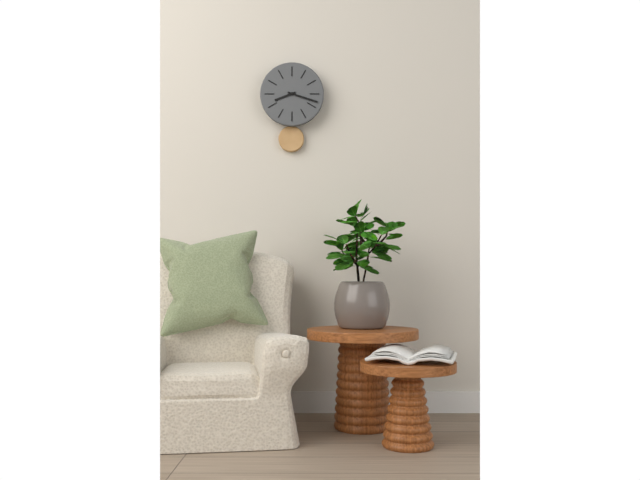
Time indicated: 8:18
